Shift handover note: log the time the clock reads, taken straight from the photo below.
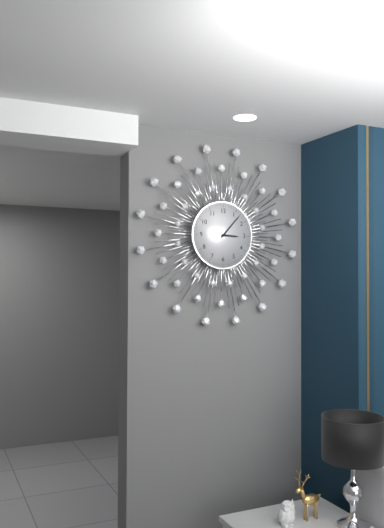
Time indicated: 3:07
